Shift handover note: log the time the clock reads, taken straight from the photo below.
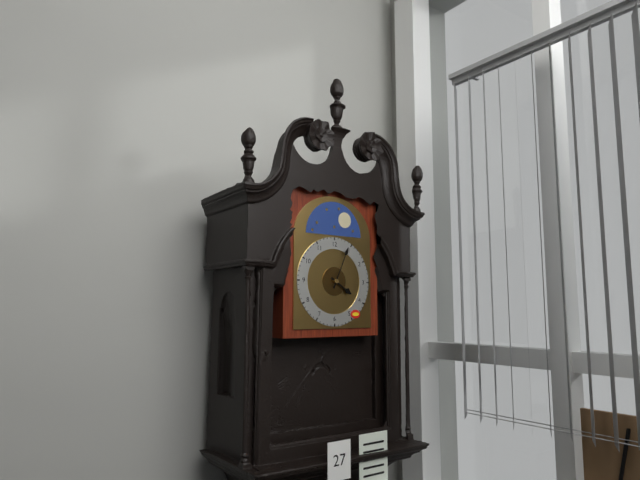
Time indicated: 4:04
